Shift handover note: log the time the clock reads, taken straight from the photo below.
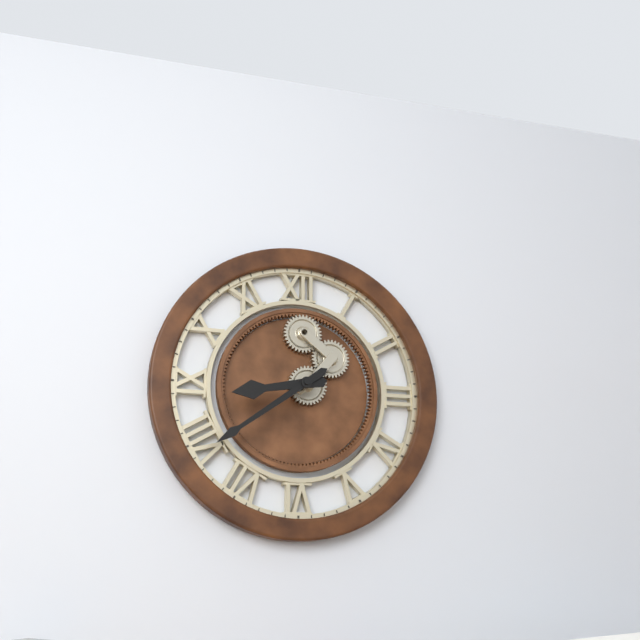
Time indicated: 8:39
